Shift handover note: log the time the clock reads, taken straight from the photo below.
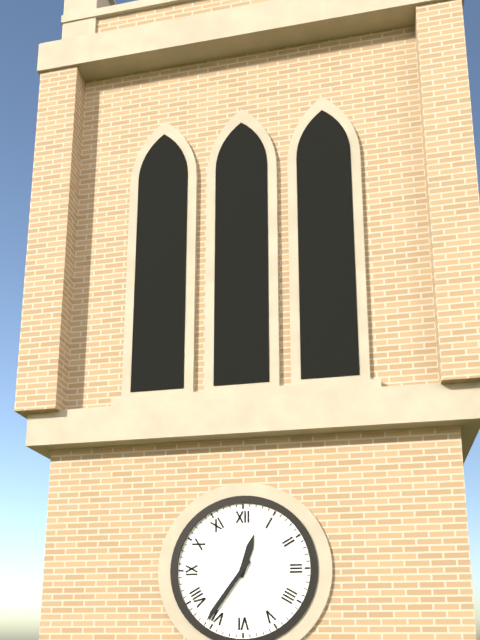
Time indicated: 12:36
